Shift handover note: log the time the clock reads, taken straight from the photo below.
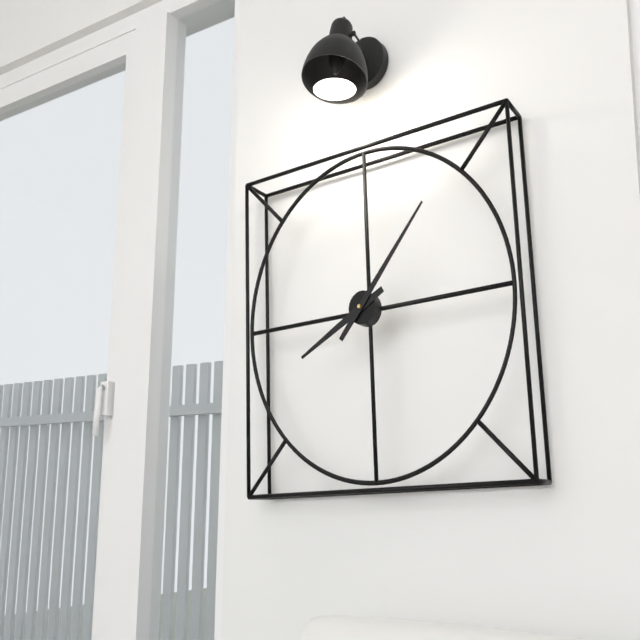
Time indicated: 8:07
